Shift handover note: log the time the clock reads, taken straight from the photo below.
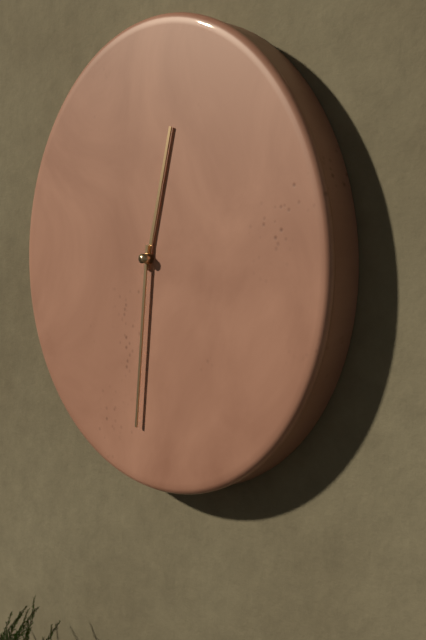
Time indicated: 12:31
